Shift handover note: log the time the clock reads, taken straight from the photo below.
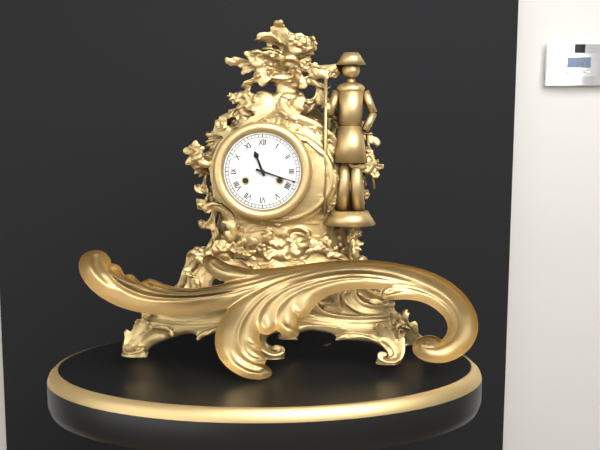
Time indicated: 11:18
